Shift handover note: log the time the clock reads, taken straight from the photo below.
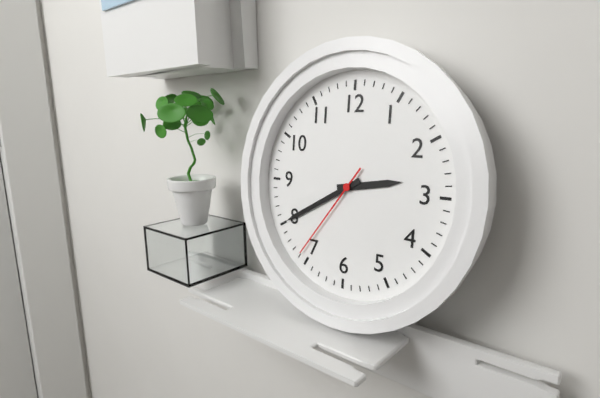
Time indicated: 2:40:36
